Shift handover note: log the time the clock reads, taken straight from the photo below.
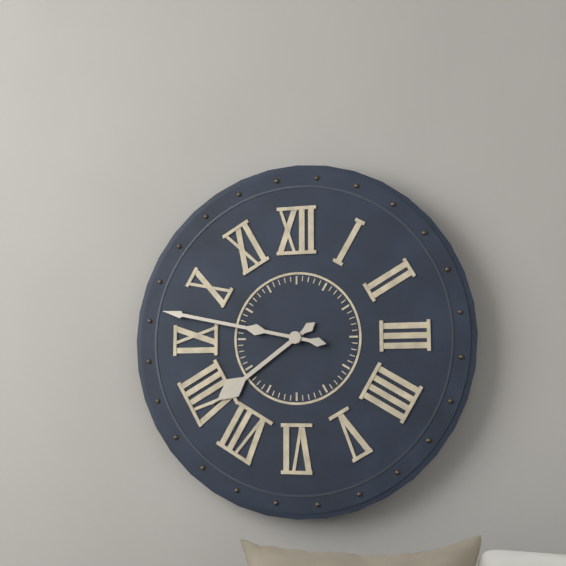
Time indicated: 7:47
